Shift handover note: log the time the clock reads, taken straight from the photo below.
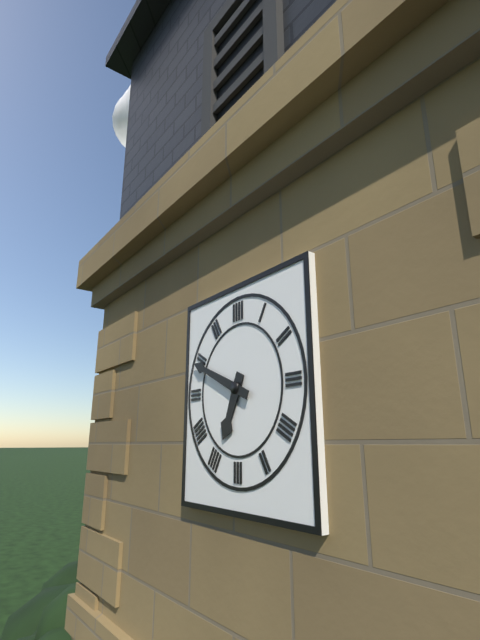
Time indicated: 6:49
